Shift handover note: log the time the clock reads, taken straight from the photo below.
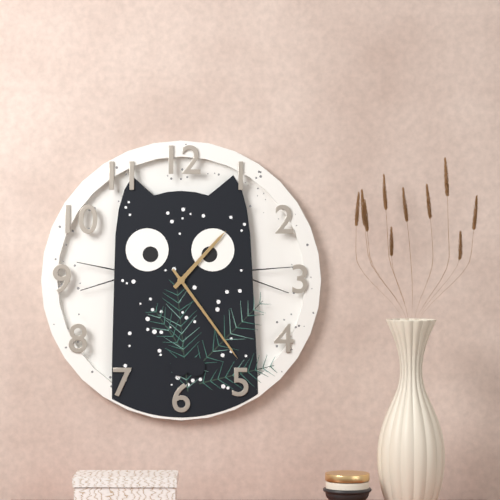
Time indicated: 1:24
